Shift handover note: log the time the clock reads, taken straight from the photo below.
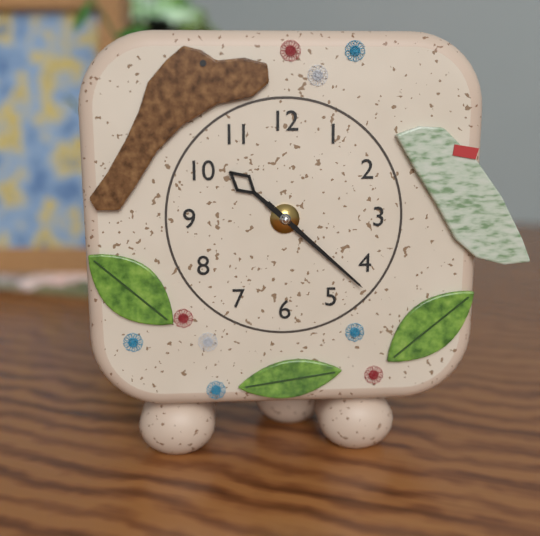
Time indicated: 10:22
